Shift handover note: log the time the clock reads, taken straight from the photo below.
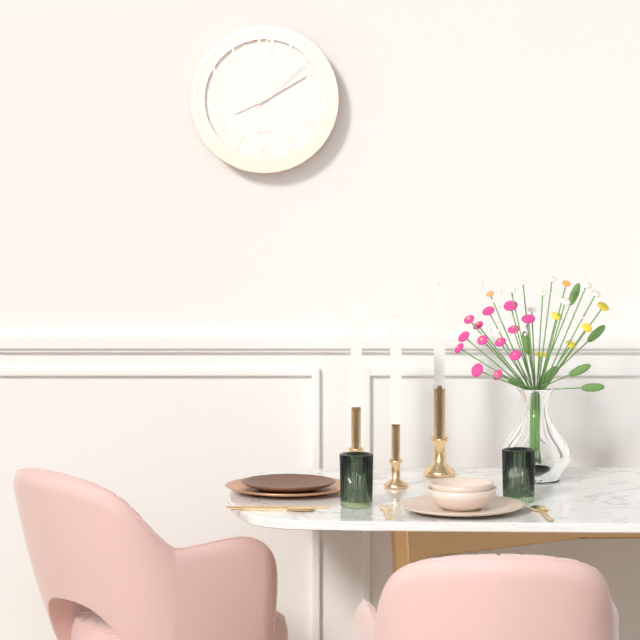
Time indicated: 8:10:08
